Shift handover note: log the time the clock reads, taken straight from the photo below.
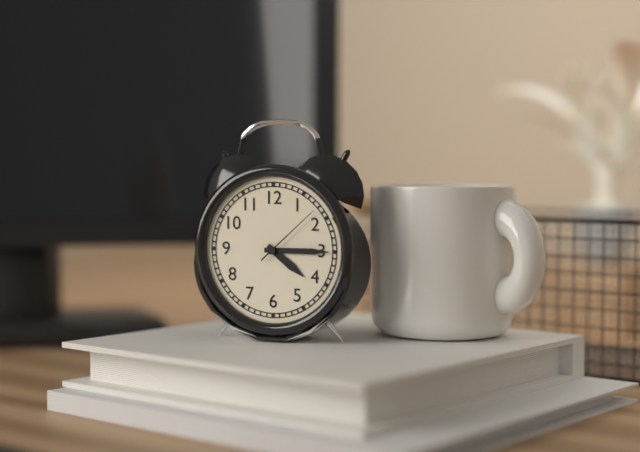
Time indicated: 4:15:08
